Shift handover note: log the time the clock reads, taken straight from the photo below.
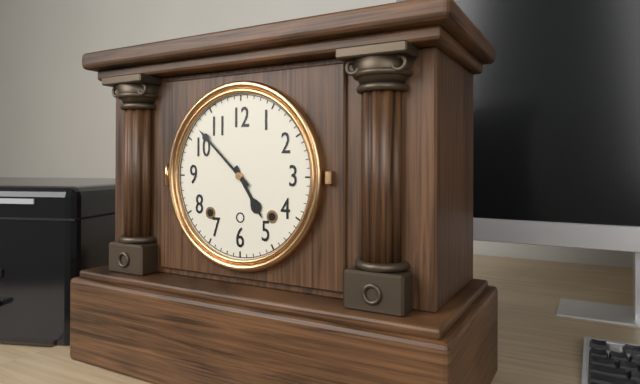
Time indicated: 4:52
